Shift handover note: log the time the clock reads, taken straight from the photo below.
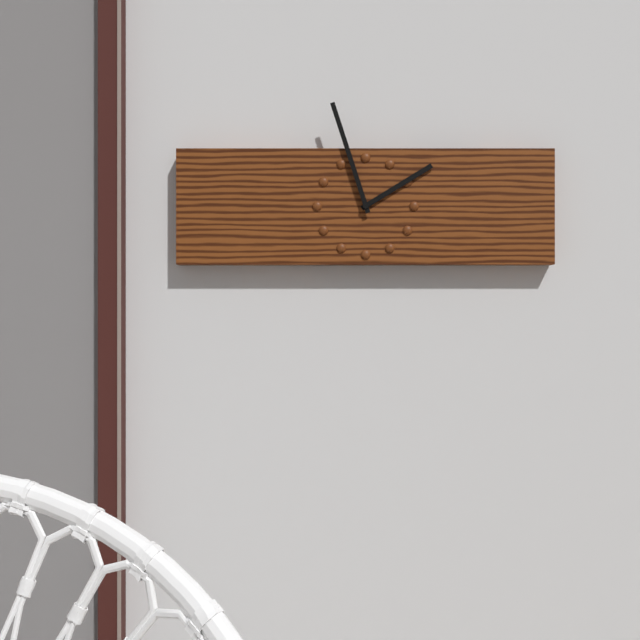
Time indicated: 1:57
